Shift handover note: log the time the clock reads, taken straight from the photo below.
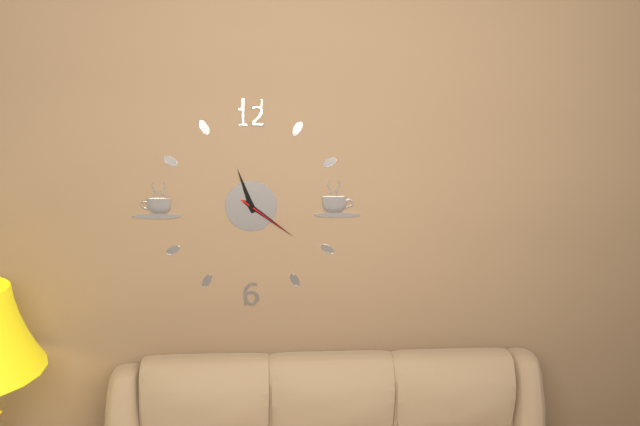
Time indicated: 11:21:21
